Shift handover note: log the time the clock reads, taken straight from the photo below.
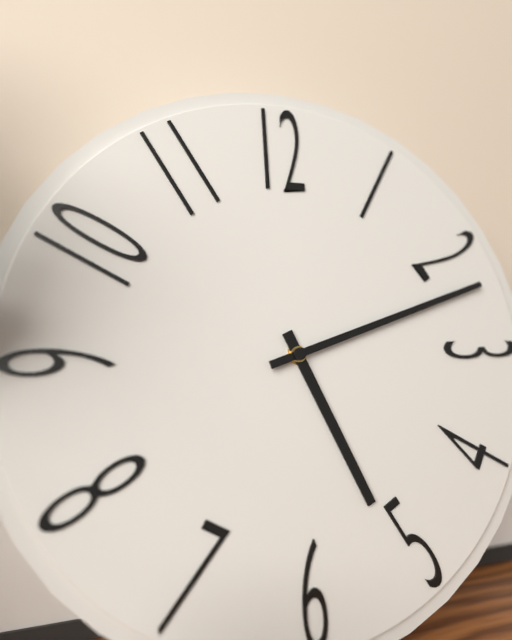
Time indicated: 5:12
